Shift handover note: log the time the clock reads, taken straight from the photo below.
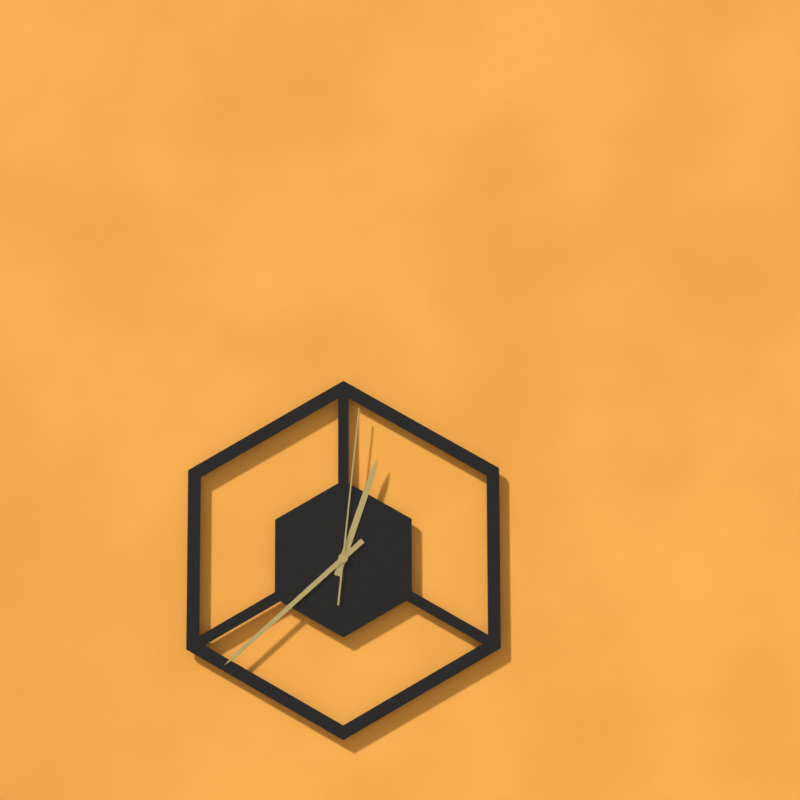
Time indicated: 12:38:01
